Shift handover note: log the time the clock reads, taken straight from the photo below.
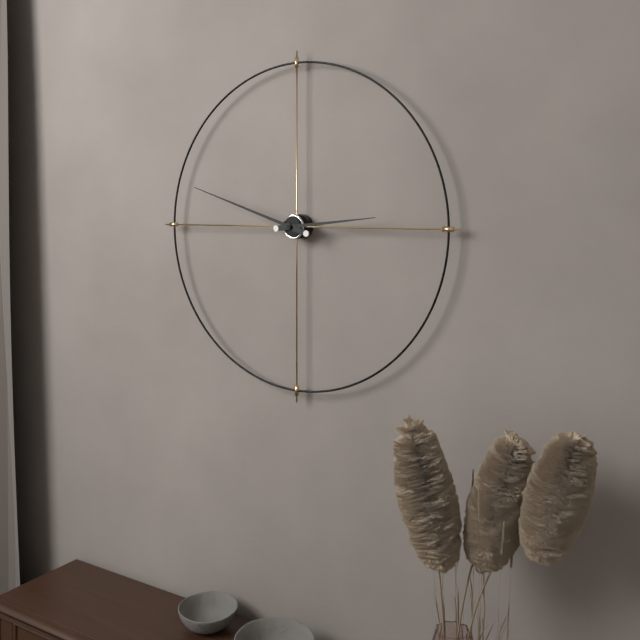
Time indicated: 2:48
